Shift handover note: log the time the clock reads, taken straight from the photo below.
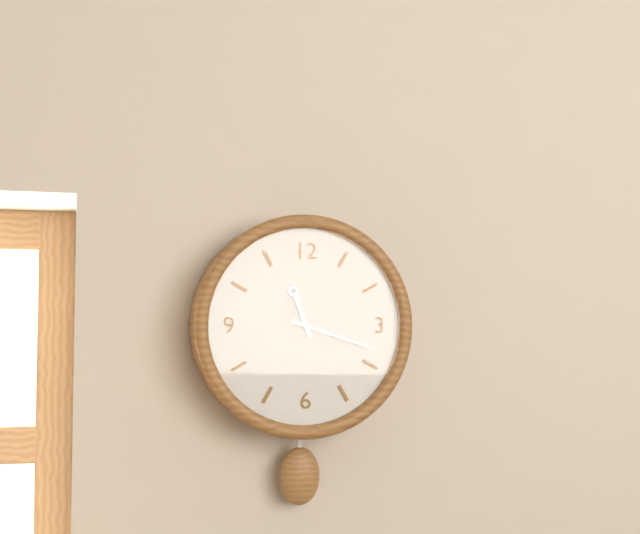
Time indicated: 11:18
